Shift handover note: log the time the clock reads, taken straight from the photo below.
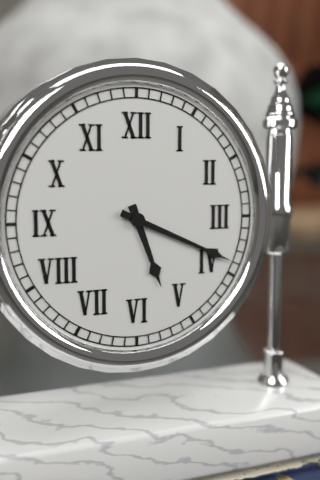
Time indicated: 5:19
